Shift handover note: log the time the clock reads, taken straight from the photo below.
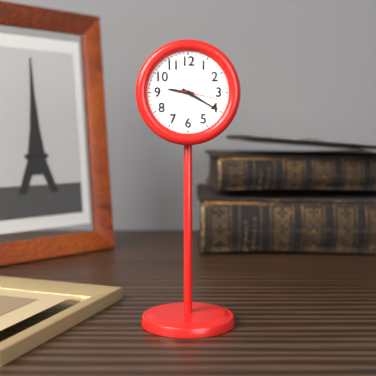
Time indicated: 9:20
